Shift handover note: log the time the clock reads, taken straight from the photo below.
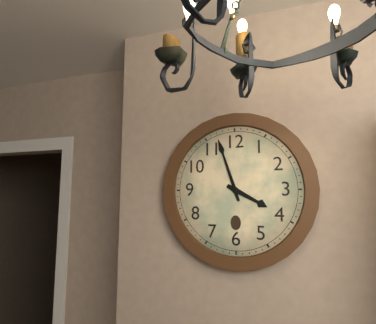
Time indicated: 3:57
